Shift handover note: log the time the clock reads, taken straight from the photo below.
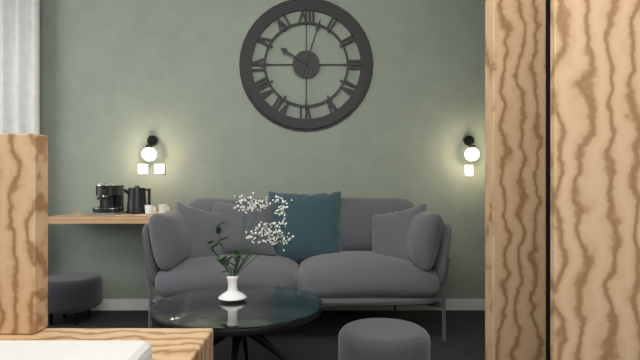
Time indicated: 10:03
